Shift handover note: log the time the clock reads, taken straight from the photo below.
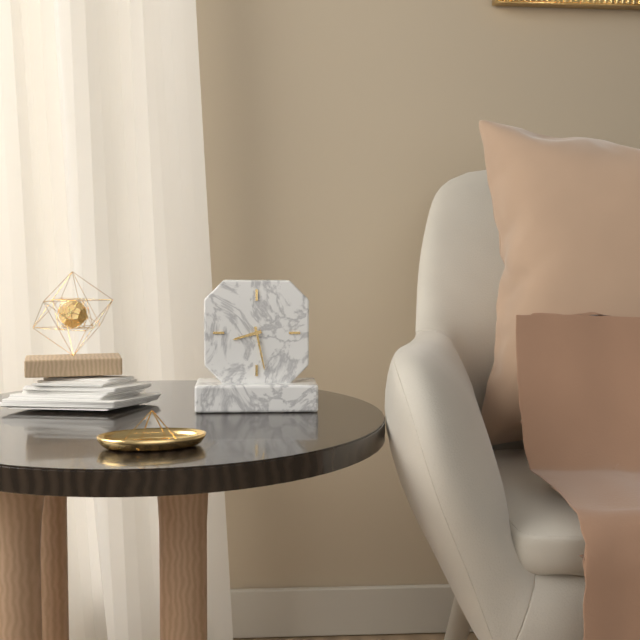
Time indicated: 8:28
